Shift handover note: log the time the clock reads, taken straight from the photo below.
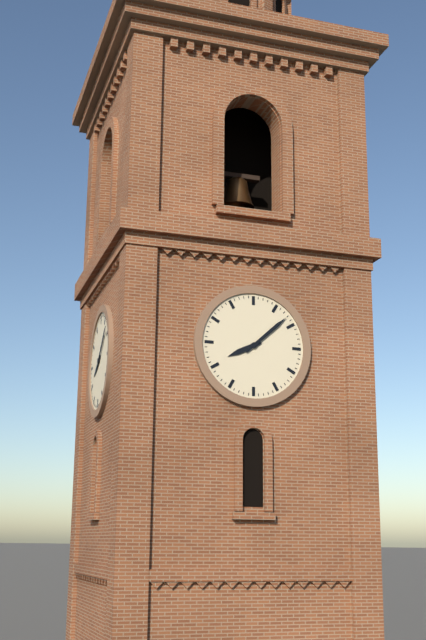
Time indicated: 8:08
